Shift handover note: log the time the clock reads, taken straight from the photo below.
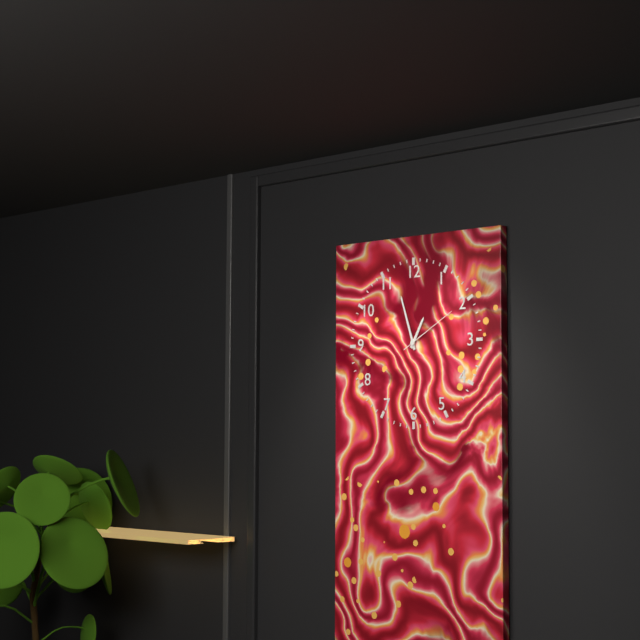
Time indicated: 12:57:10
